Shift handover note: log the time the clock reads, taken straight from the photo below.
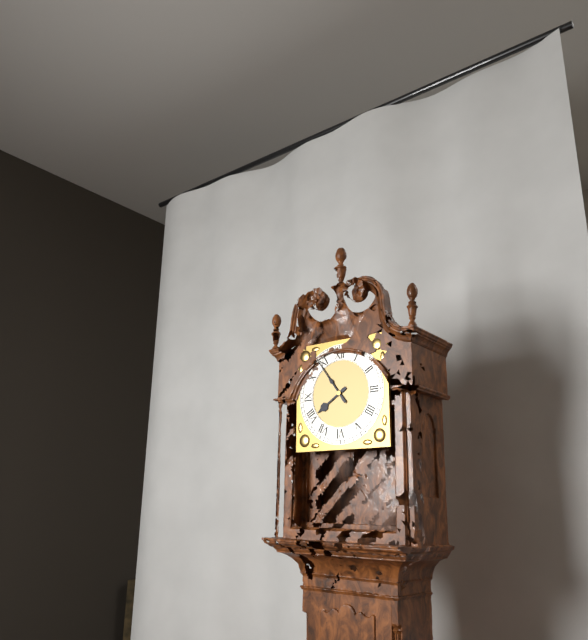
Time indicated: 7:54
